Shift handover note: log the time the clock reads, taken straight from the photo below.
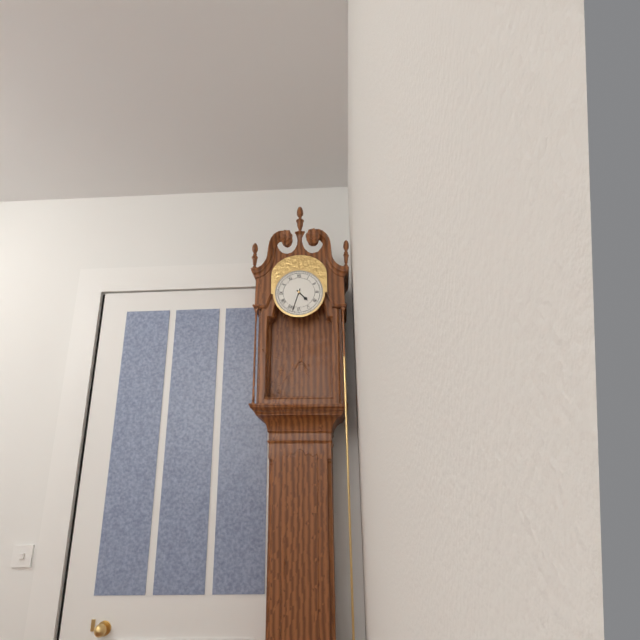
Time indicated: 4:33
